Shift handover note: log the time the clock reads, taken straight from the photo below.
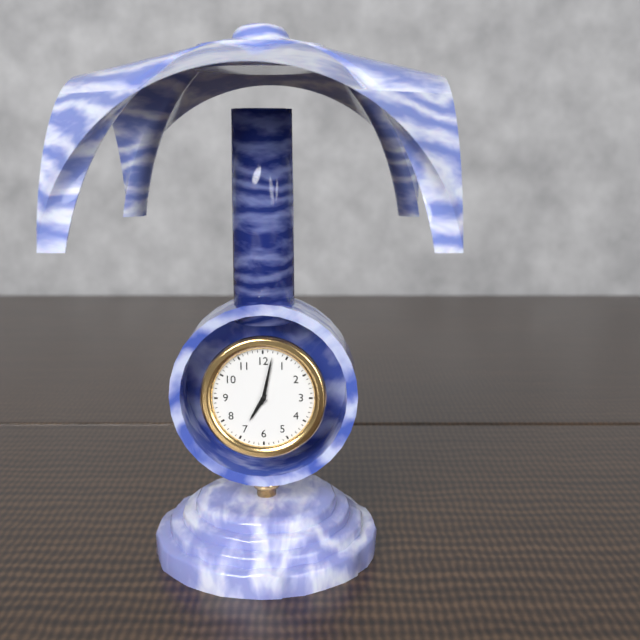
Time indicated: 7:02
